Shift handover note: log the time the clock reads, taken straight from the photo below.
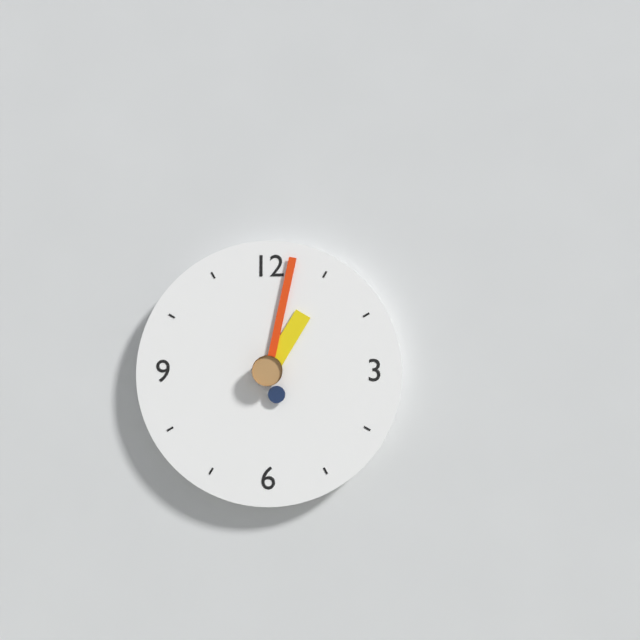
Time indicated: 1:02
